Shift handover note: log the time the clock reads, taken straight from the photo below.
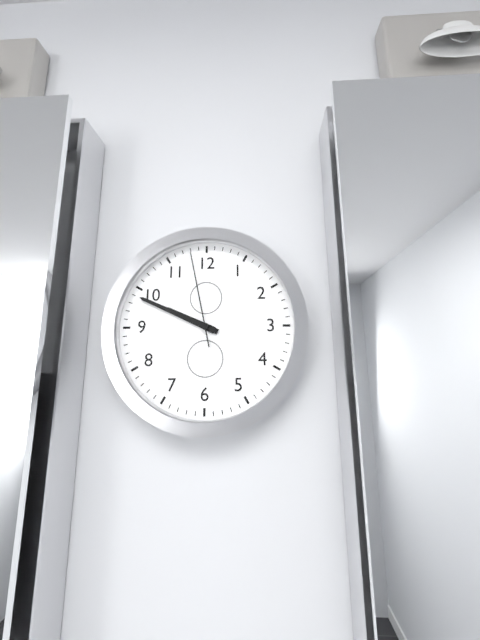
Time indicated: 9:49:58
